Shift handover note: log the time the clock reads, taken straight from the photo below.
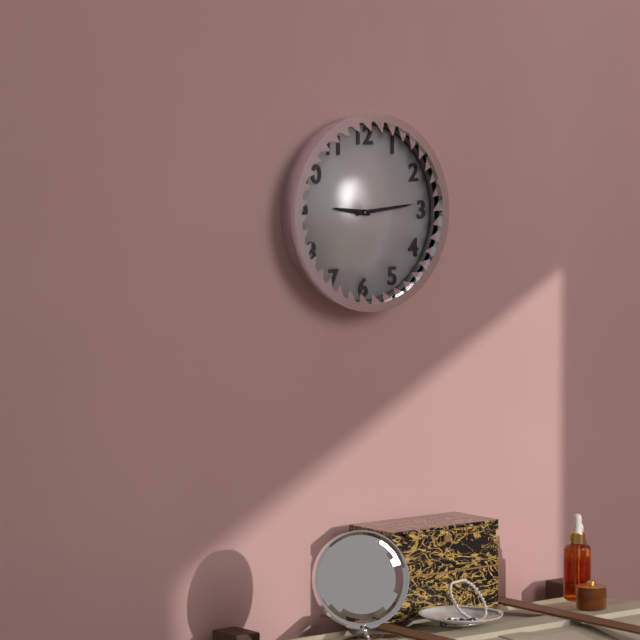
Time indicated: 9:14
